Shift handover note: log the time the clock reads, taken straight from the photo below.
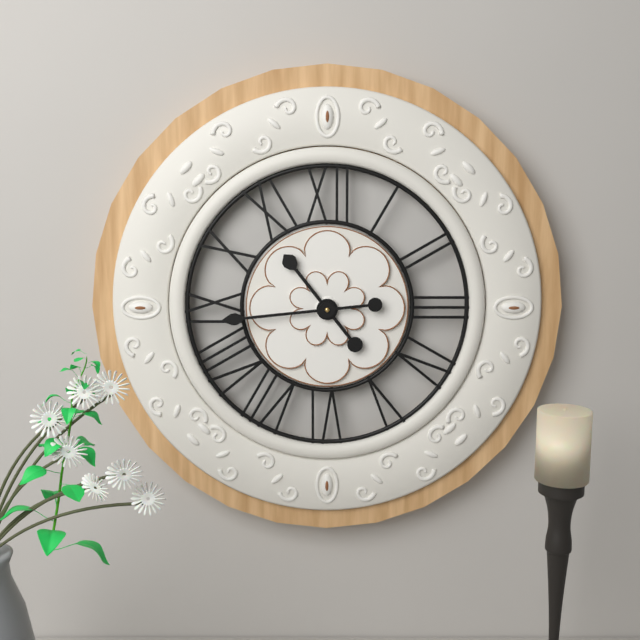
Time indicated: 10:44
